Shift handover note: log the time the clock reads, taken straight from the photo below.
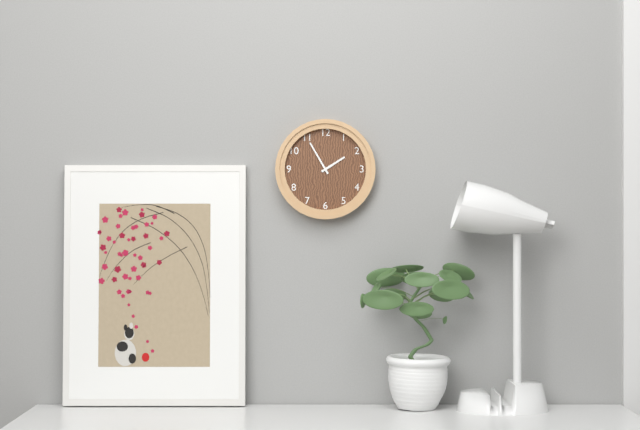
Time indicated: 1:55
